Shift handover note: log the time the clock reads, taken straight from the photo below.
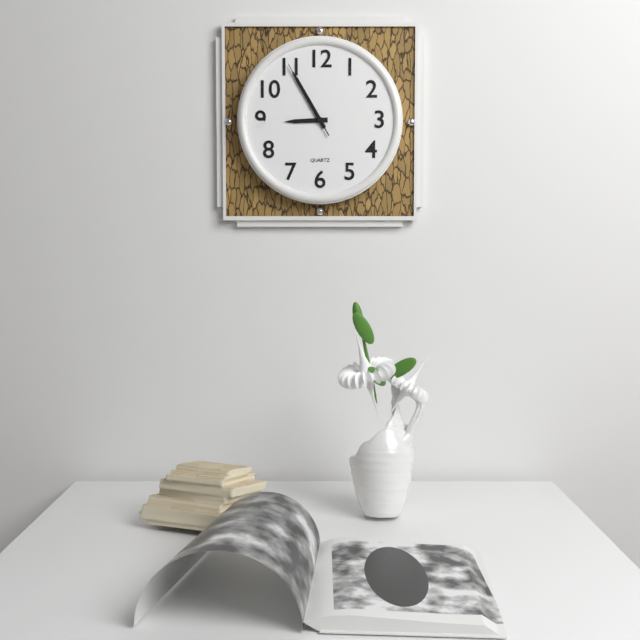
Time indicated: 8:55:55
